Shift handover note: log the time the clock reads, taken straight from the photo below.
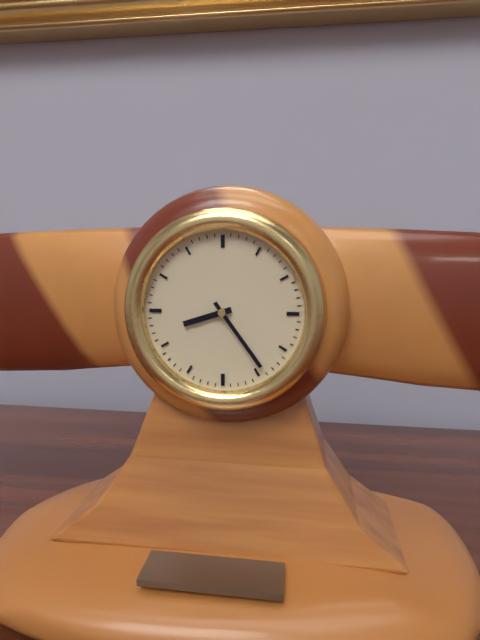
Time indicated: 8:24
